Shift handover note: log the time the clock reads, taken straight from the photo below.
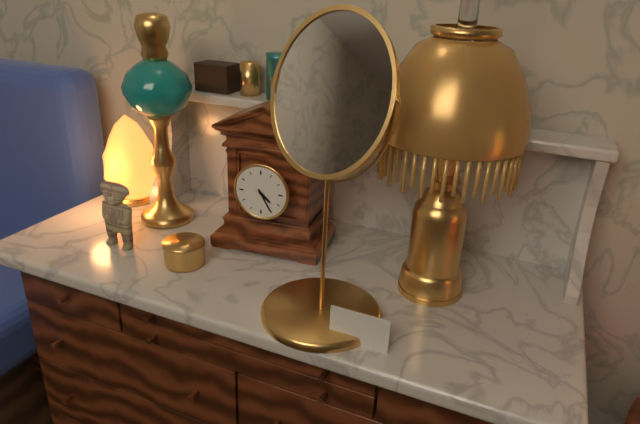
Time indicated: 4:25
